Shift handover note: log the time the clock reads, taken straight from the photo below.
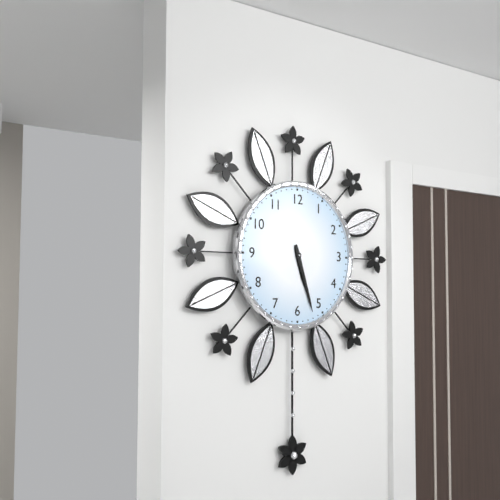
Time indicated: 5:27
